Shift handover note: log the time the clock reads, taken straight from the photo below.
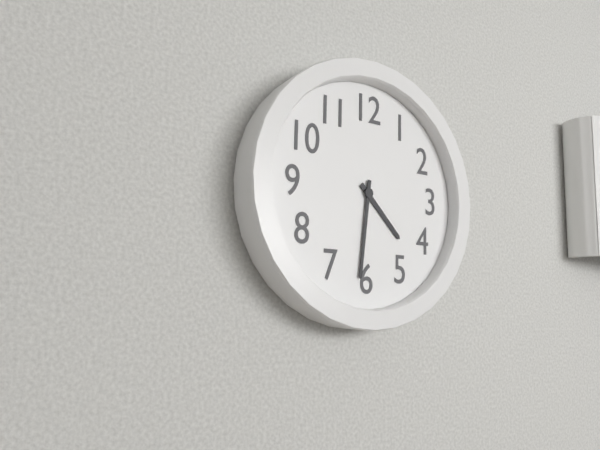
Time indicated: 4:31
